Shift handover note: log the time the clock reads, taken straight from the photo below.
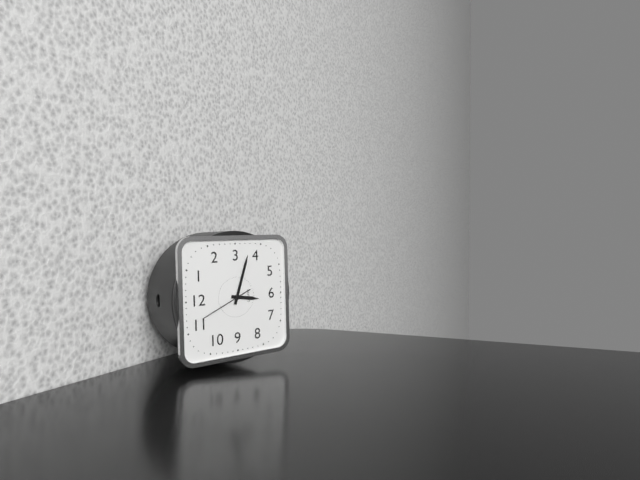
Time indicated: 6:18:56
